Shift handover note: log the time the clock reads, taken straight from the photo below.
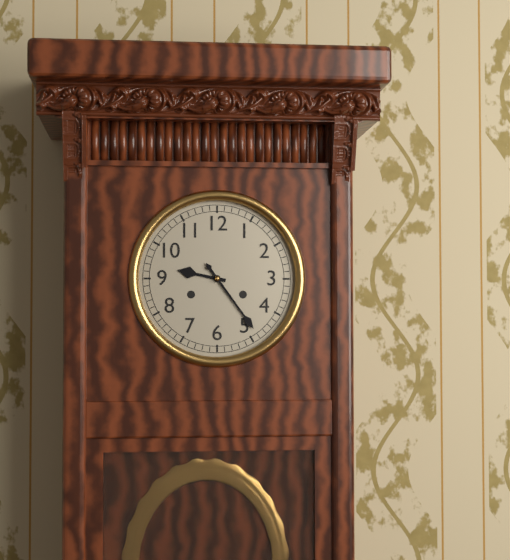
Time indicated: 9:24
